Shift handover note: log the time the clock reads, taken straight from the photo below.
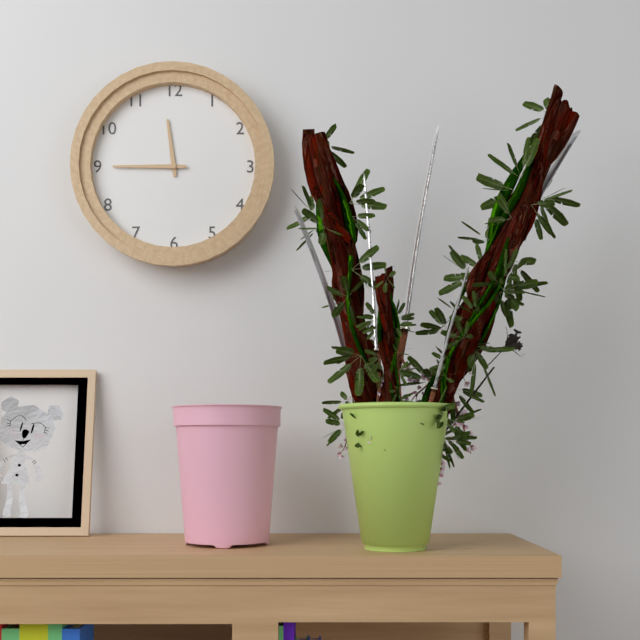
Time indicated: 11:45
